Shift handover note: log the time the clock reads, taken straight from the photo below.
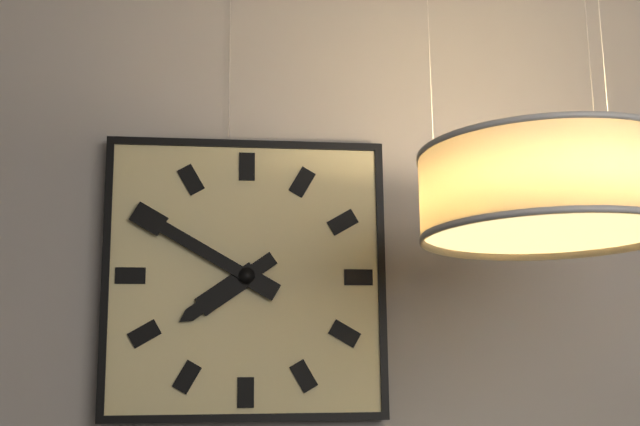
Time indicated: 7:50
